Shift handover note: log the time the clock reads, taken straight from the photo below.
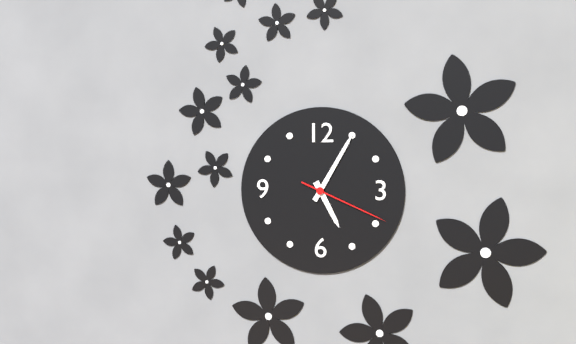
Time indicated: 5:05:19
